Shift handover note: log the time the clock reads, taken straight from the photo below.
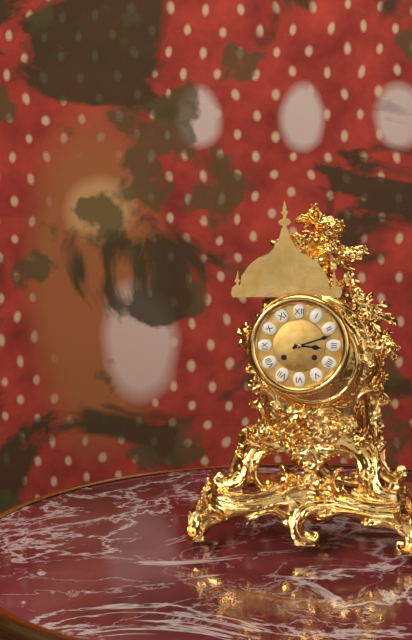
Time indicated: 3:12
